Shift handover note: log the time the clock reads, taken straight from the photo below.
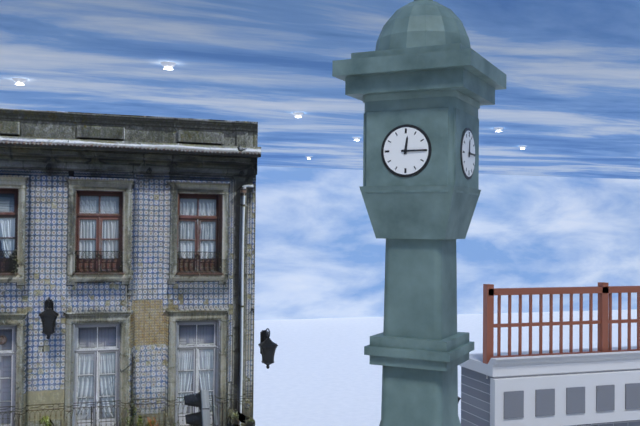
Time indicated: 12:15
